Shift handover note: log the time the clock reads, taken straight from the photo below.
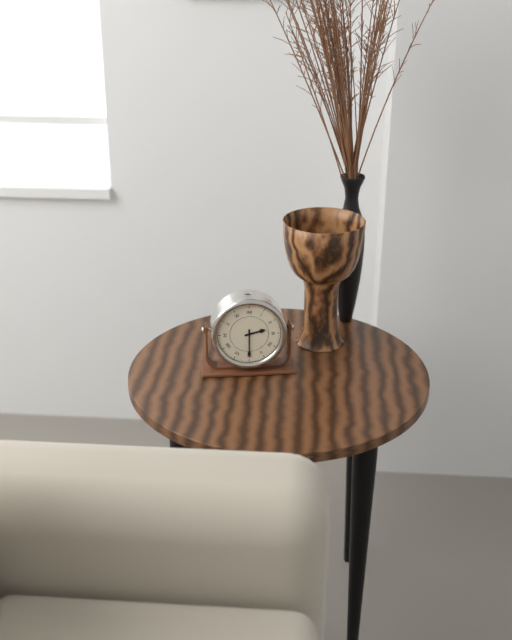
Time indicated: 2:30
